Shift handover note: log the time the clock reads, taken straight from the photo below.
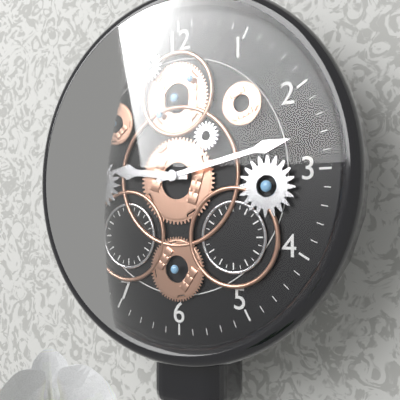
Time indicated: 9:13
